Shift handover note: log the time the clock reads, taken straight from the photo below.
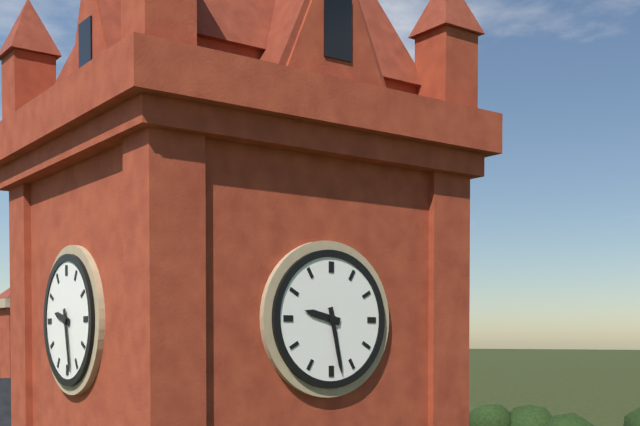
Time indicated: 9:28
